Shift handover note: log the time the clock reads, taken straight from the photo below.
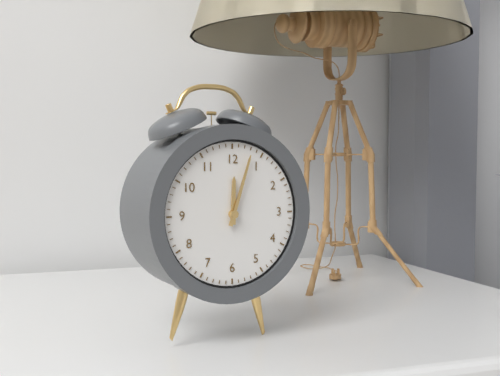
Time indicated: 12:03
